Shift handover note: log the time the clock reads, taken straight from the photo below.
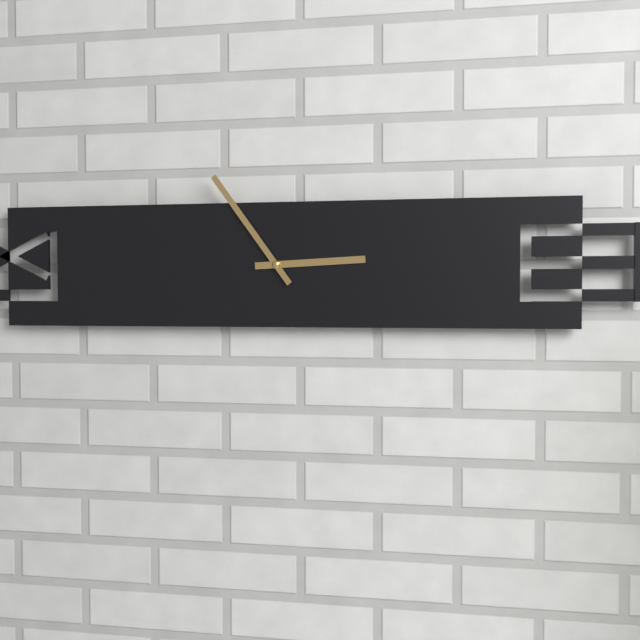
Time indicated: 2:54
